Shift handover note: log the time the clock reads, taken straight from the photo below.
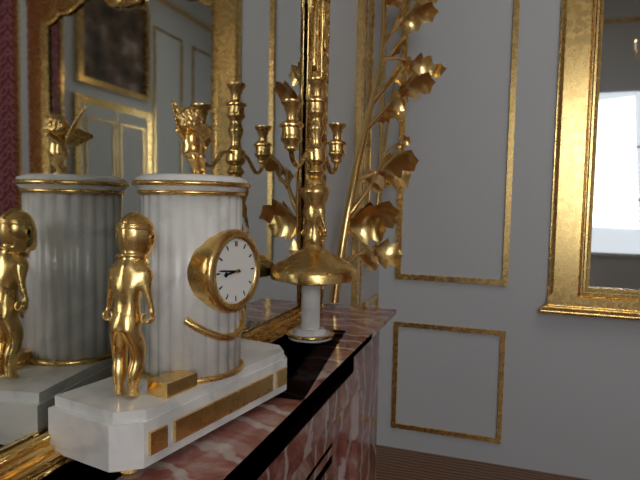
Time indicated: 8:46
